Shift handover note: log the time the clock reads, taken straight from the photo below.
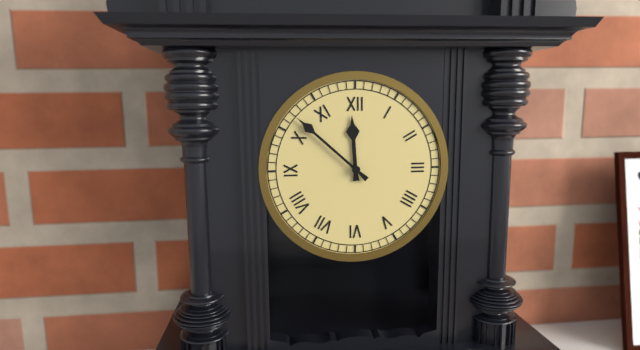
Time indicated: 11:52
